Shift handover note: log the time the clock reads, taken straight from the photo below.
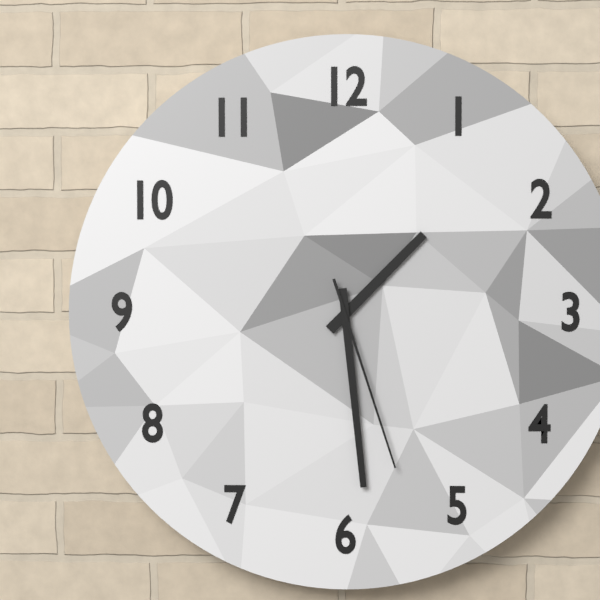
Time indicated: 1:29:27
